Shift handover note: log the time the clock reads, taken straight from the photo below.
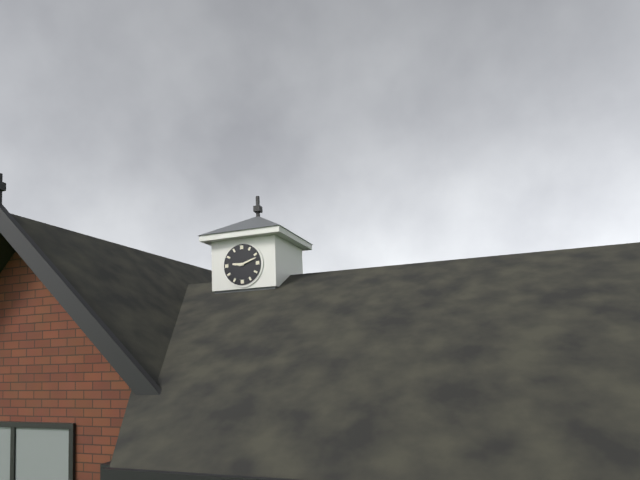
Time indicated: 9:12
